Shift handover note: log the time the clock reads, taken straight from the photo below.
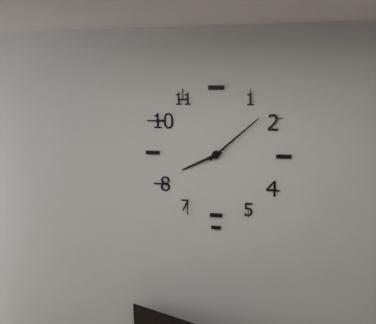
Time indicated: 8:08
